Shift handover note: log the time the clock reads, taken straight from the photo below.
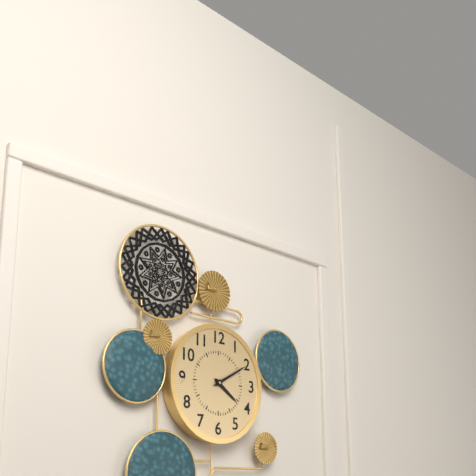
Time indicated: 4:10
